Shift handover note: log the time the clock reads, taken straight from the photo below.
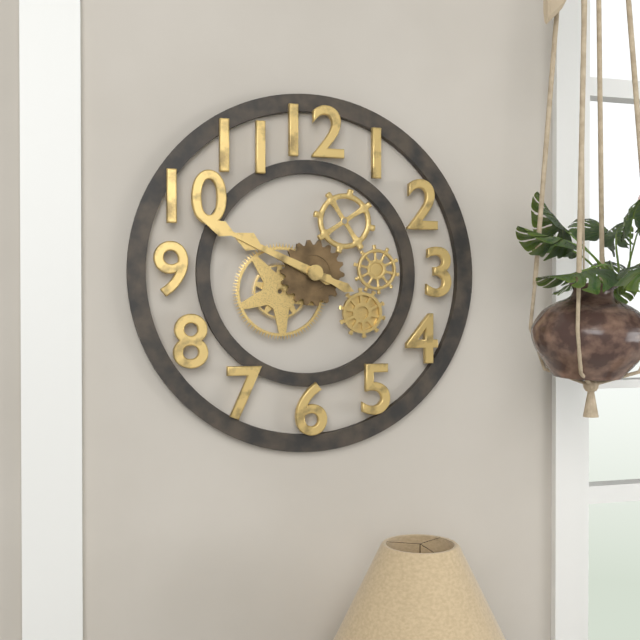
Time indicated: 9:49
